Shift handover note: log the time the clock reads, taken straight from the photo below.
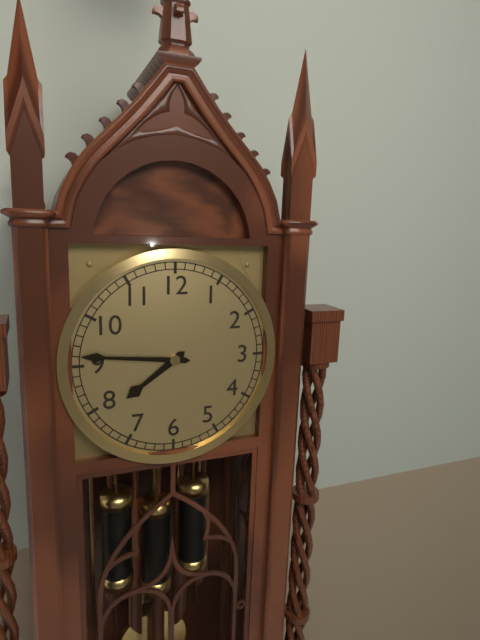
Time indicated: 7:46
